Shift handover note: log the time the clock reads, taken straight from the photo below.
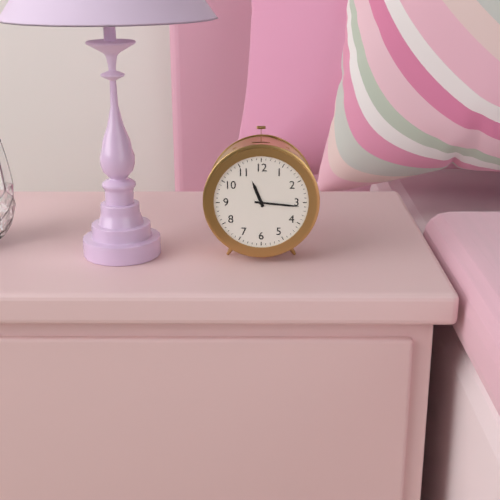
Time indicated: 11:16
